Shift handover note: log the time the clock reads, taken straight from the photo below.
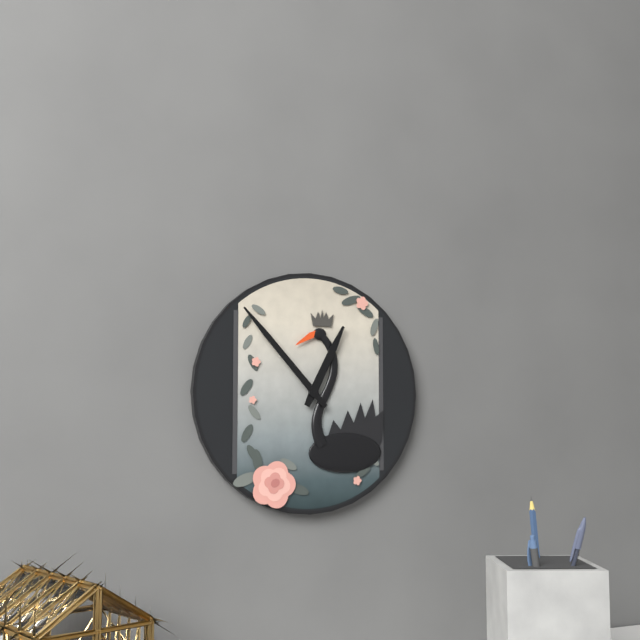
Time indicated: 12:53
